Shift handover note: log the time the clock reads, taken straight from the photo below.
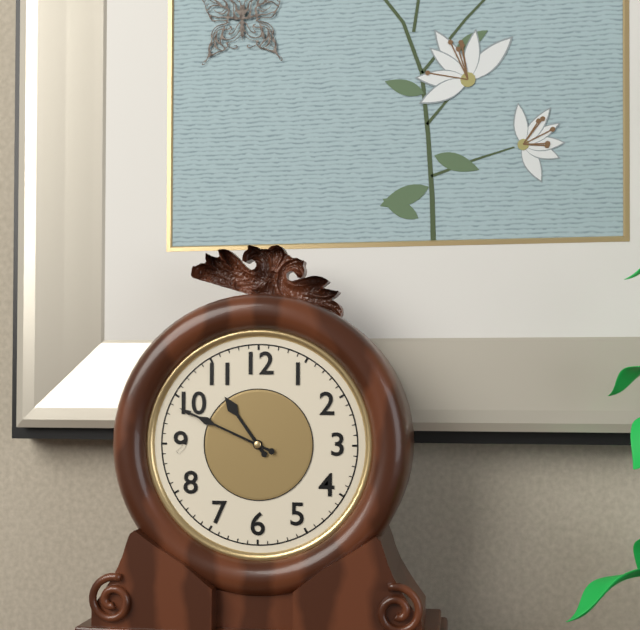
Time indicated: 10:49
